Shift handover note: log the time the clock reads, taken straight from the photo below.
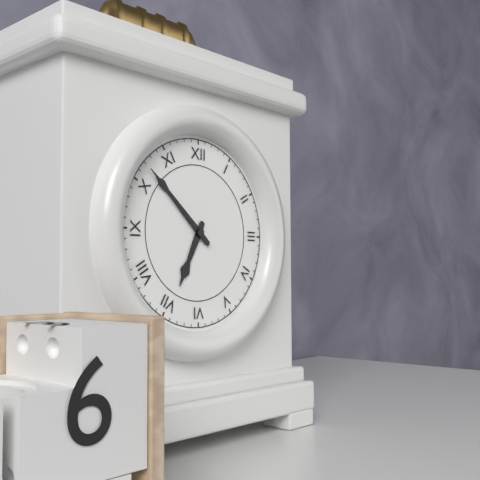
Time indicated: 6:52
